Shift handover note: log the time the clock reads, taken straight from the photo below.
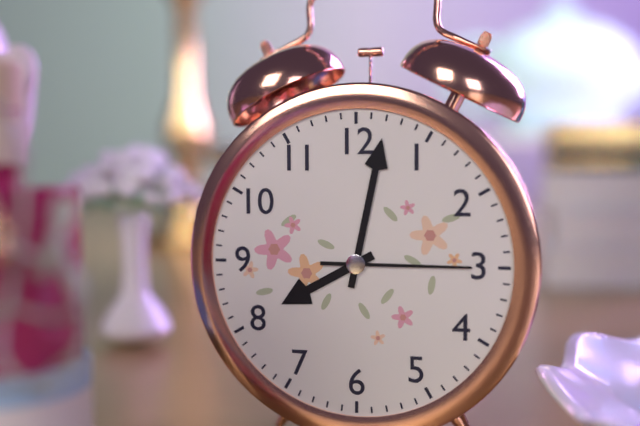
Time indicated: 8:02:15
